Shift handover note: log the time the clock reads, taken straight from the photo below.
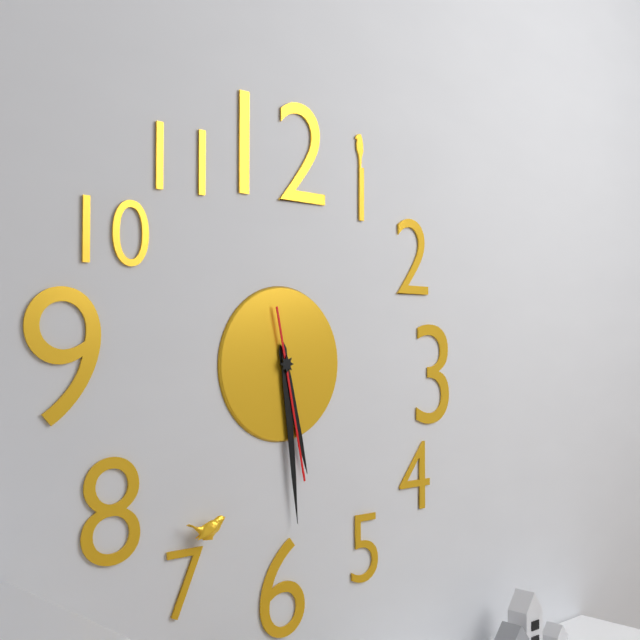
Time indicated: 5:29:28
